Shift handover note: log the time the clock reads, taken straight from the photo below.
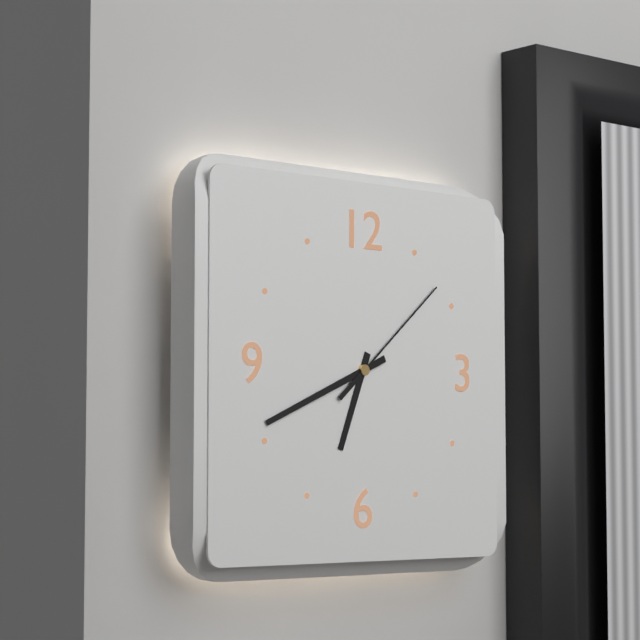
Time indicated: 6:41:08
